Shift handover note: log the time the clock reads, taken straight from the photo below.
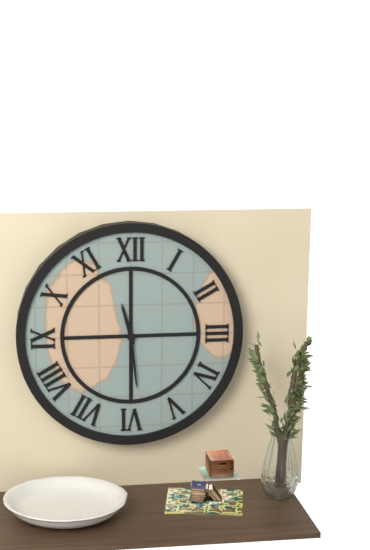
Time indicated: 11:29
